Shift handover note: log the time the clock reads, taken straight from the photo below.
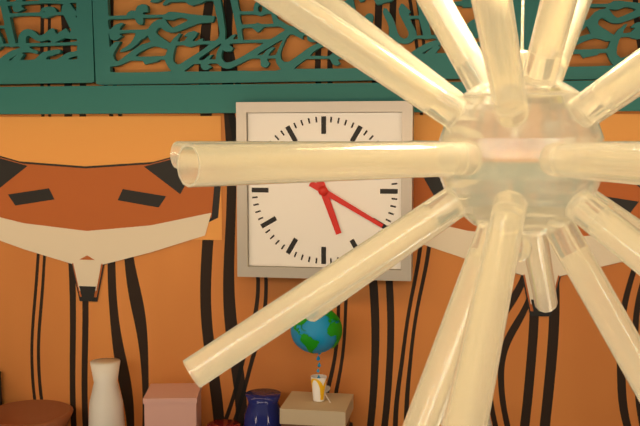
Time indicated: 5:20
